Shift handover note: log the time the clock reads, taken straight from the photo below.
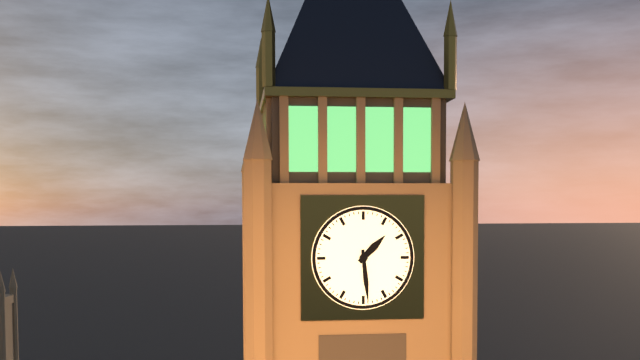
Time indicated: 1:29
